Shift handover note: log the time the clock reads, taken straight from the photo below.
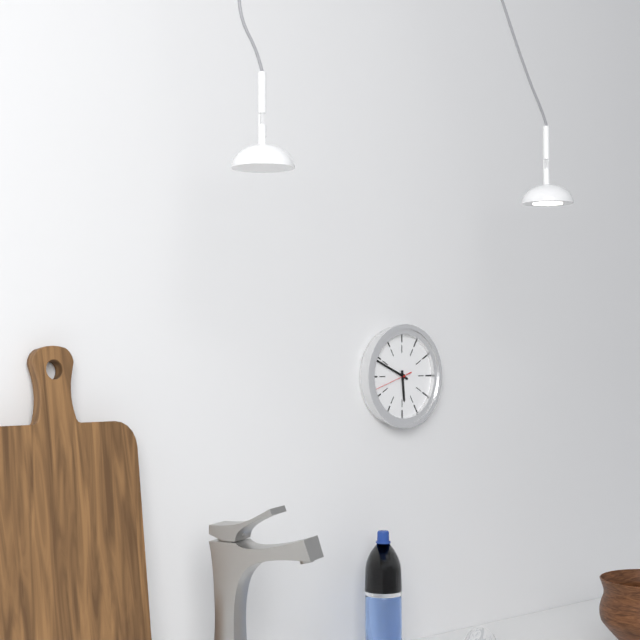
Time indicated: 5:49
